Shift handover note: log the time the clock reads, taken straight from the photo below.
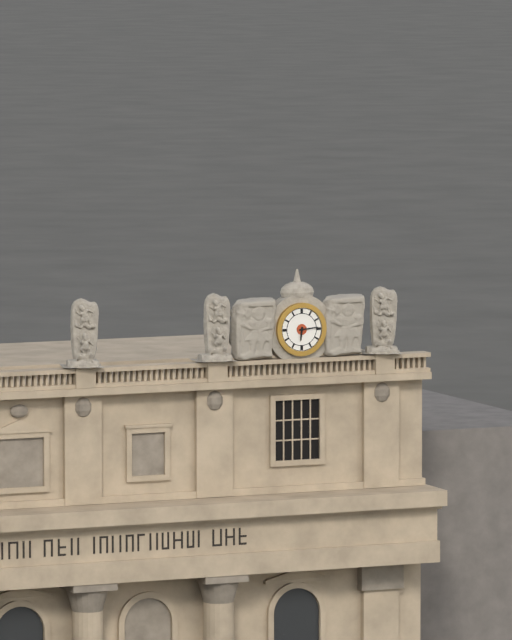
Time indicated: 6:14
